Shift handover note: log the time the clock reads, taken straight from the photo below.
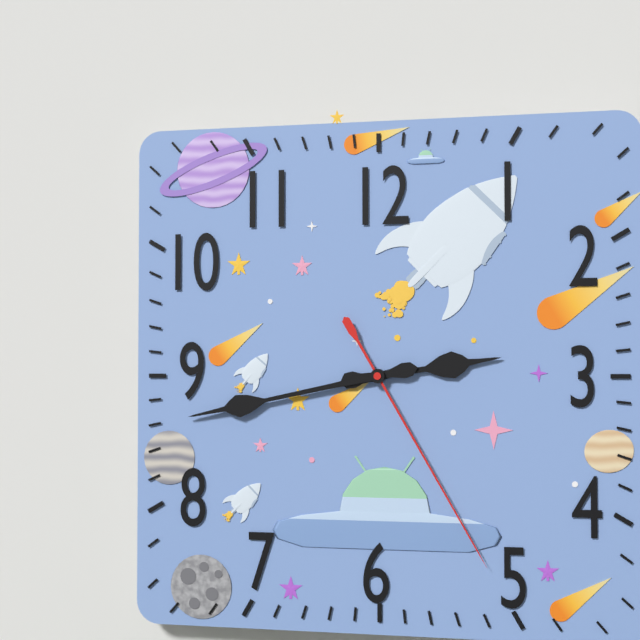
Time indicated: 2:43:25
